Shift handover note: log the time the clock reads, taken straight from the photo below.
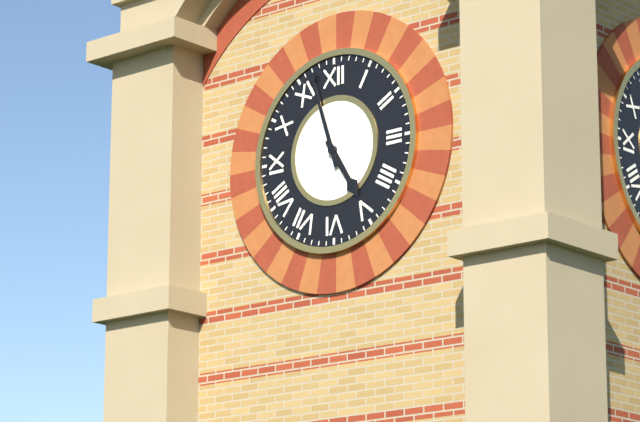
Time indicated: 4:57
